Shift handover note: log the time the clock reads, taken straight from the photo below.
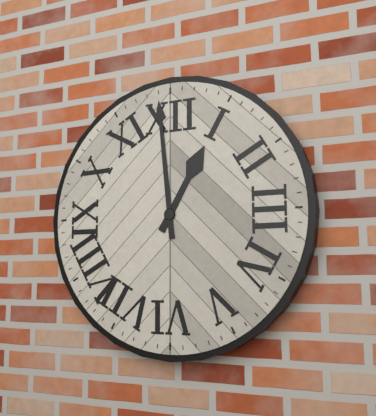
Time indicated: 12:59
